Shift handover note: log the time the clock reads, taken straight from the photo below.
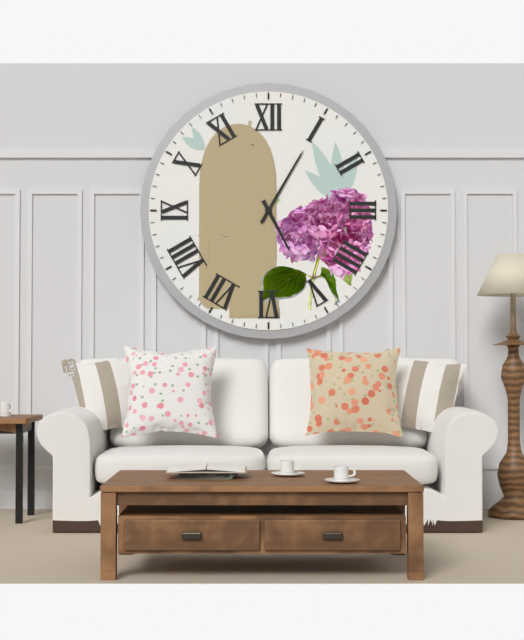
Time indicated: 5:05
